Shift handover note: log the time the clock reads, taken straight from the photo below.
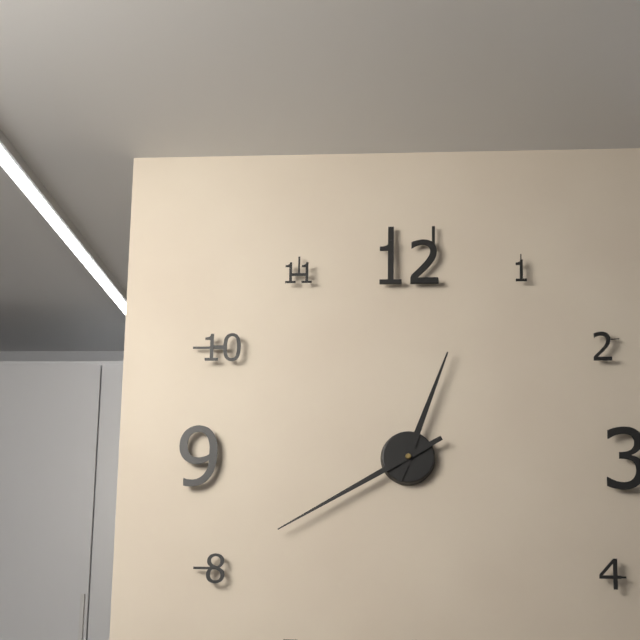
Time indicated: 12:40
